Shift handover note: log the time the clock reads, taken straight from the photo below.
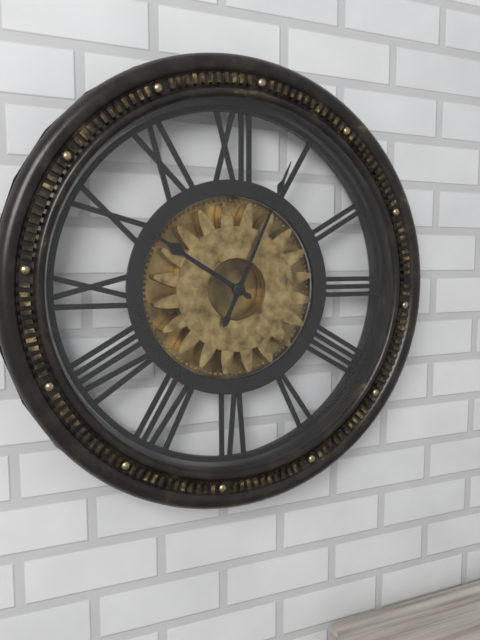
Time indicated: 10:04
